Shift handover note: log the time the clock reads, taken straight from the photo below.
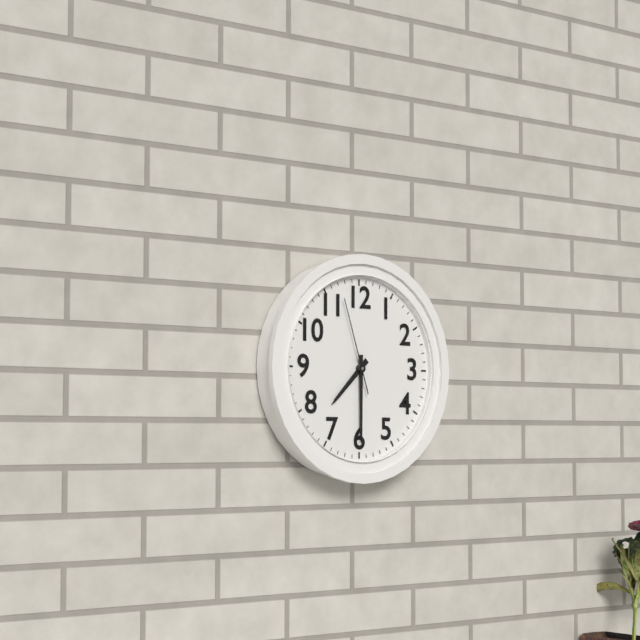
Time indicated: 7:30:57
